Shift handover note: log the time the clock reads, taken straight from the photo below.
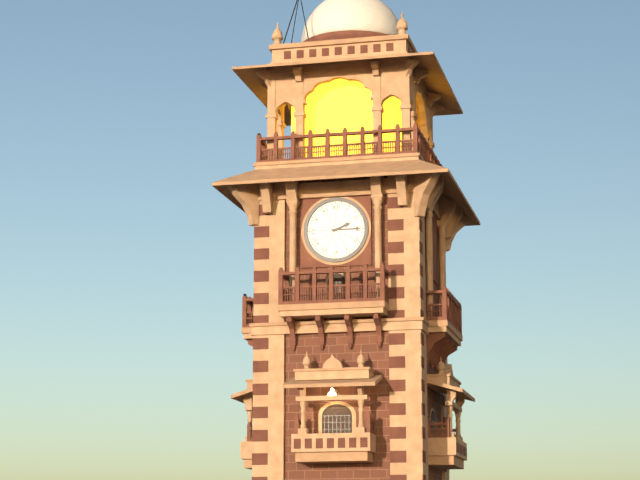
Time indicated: 2:15
